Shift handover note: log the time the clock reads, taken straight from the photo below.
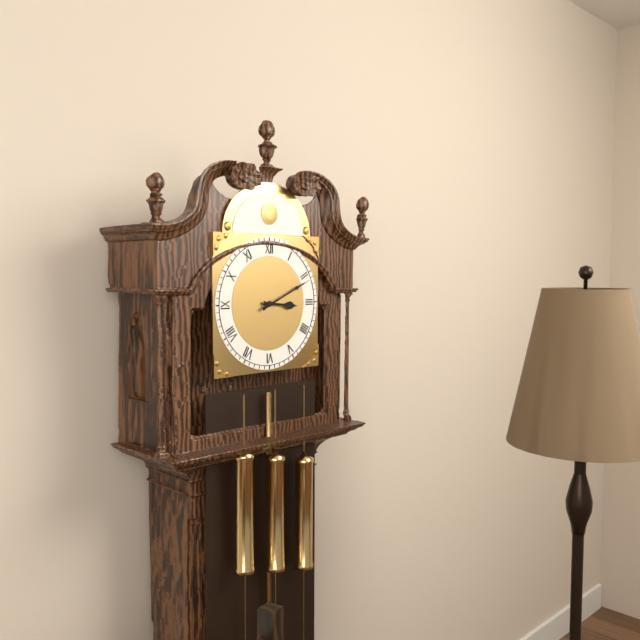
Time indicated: 3:11
